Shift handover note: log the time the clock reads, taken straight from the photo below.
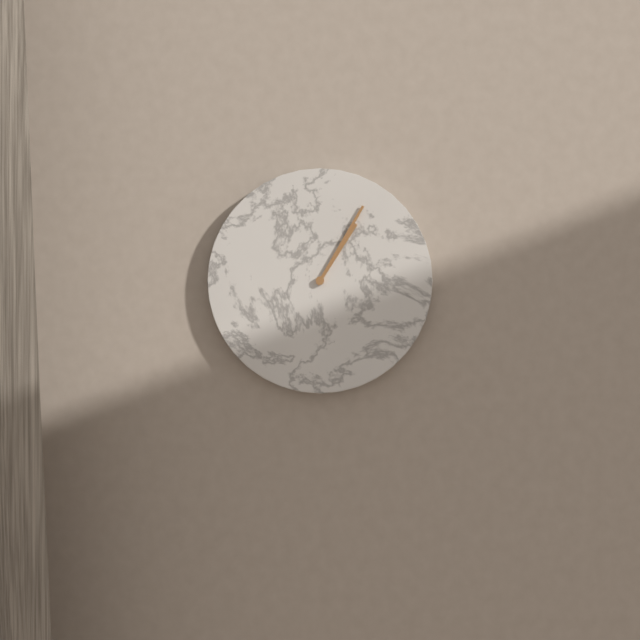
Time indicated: 1:05
